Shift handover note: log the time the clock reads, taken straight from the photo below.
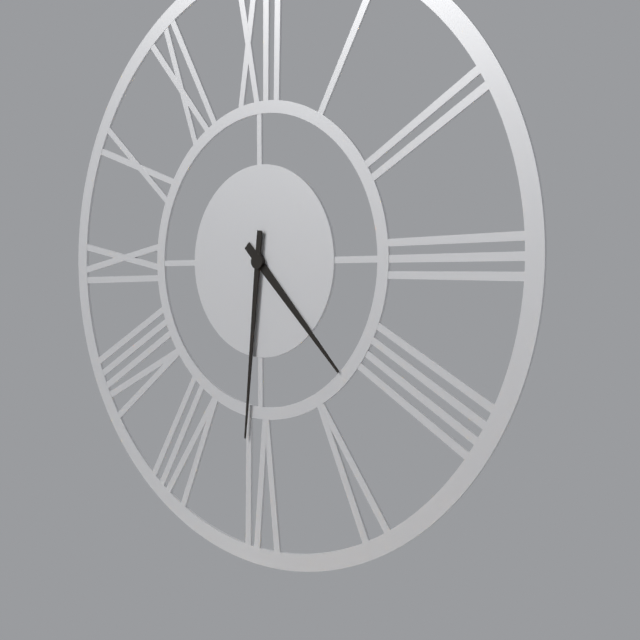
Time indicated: 4:31
